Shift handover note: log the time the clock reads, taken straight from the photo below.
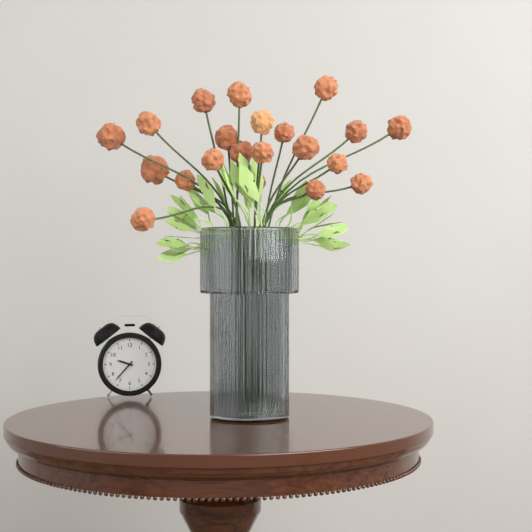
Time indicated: 9:37
